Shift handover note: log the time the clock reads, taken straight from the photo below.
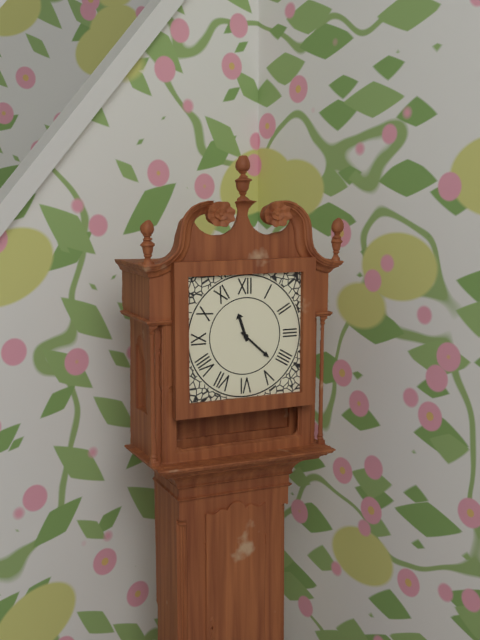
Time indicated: 11:22
